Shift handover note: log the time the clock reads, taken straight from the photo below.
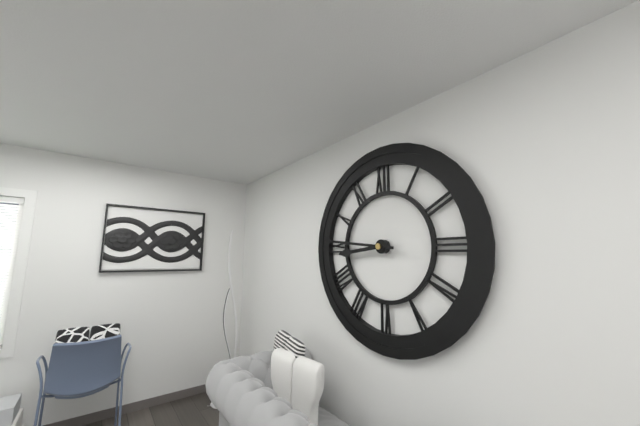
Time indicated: 8:46
